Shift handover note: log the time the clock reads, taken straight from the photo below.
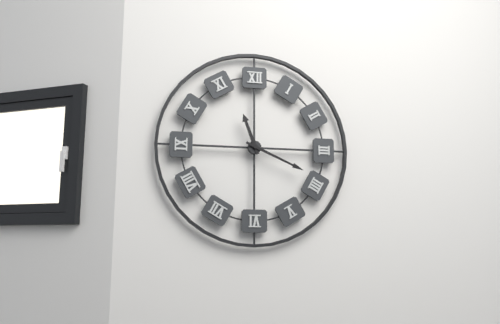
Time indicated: 11:19
